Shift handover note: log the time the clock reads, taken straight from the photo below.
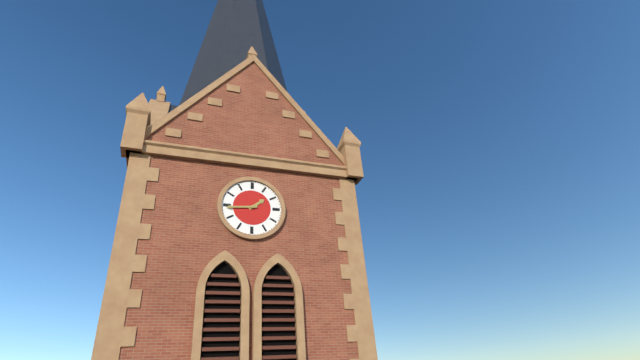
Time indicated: 1:44
